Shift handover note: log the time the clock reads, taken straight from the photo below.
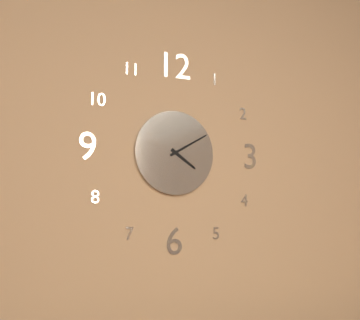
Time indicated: 4:10
